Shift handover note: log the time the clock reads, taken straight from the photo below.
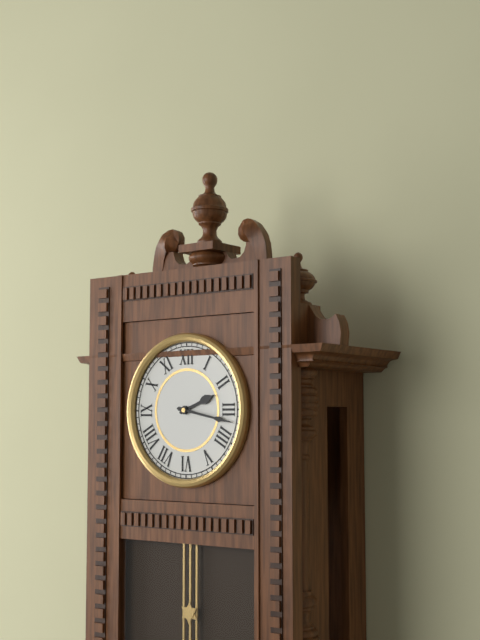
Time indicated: 2:17
